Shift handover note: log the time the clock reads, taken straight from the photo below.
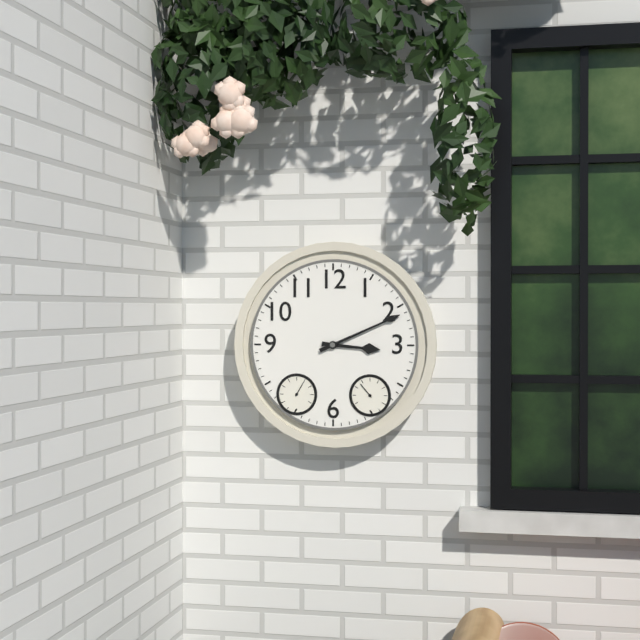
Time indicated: 3:11
